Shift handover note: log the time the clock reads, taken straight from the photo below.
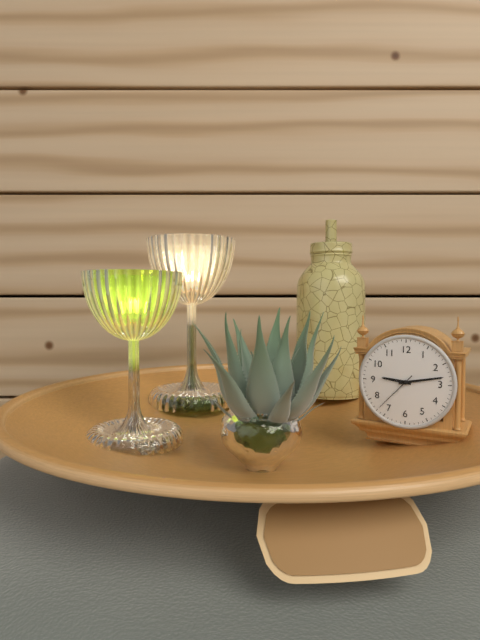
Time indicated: 9:13
